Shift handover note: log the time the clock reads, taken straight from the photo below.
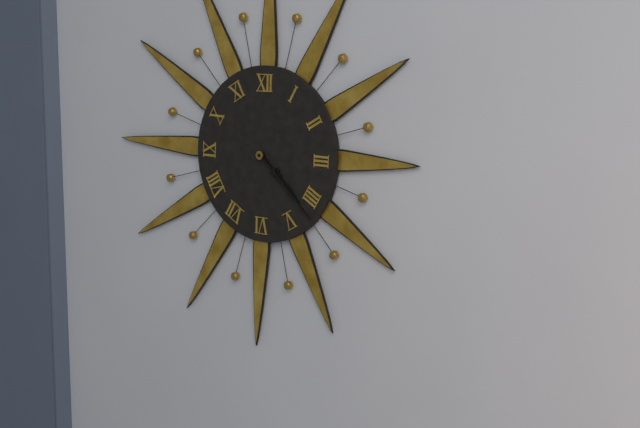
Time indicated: 4:22
